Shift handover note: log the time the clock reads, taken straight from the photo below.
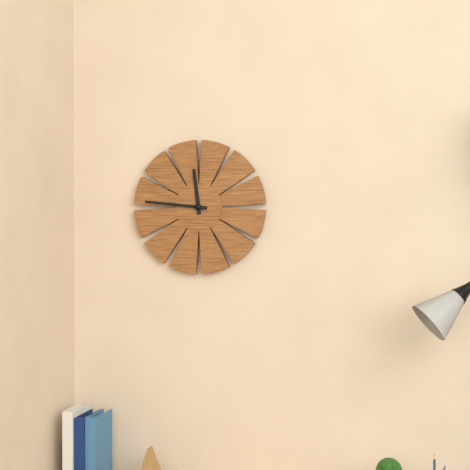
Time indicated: 11:46
